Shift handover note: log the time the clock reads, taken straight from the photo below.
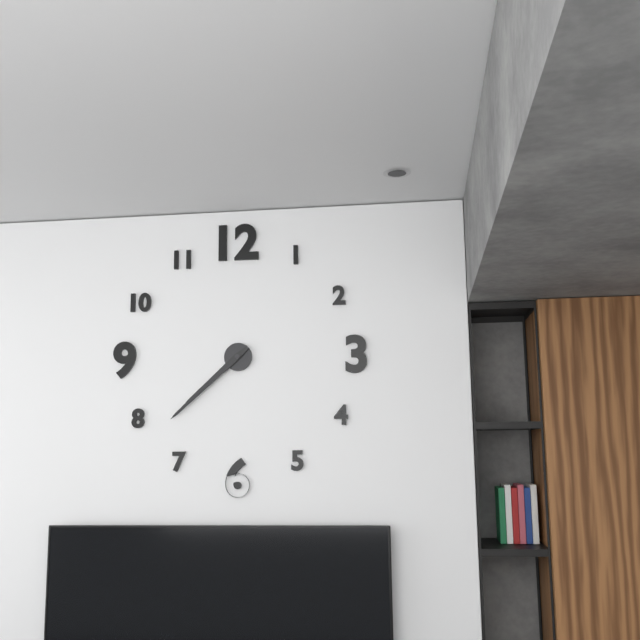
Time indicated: 7:38
